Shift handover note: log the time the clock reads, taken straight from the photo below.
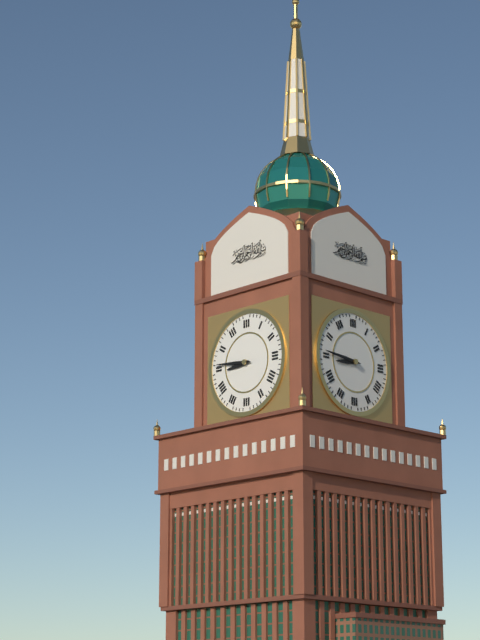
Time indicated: 8:46
